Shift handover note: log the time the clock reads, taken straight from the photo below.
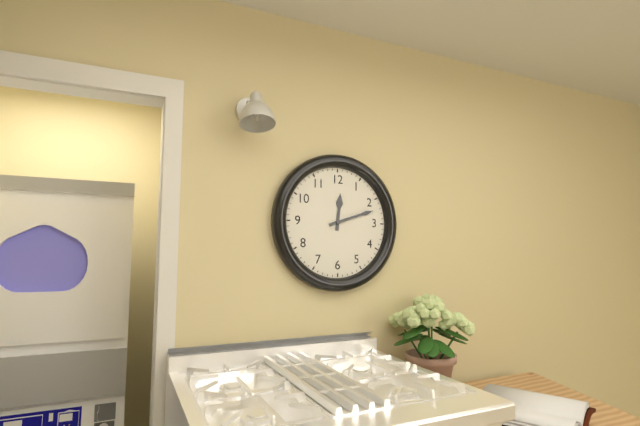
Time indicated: 12:12
